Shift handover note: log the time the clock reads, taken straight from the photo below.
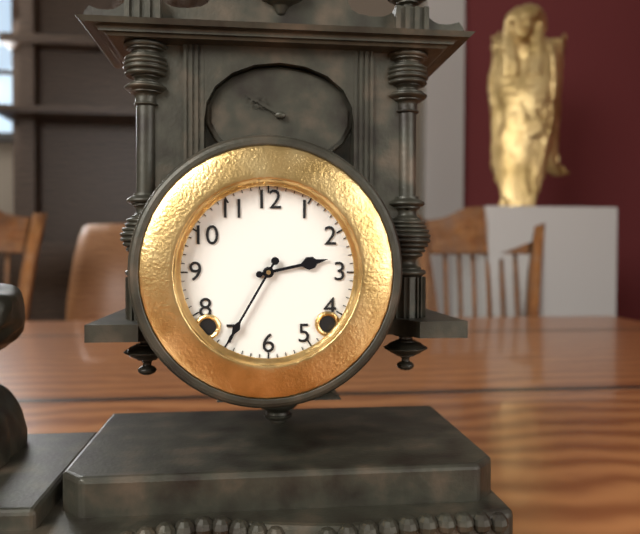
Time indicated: 2:35
